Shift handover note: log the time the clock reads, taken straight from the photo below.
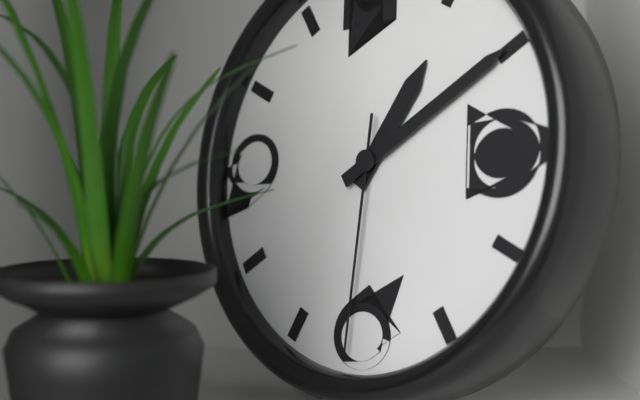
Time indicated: 1:10:31
